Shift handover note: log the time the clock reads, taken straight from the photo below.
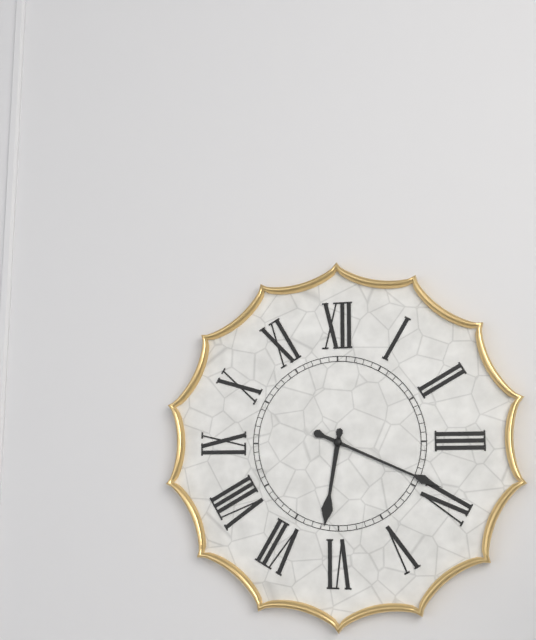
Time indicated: 6:19
